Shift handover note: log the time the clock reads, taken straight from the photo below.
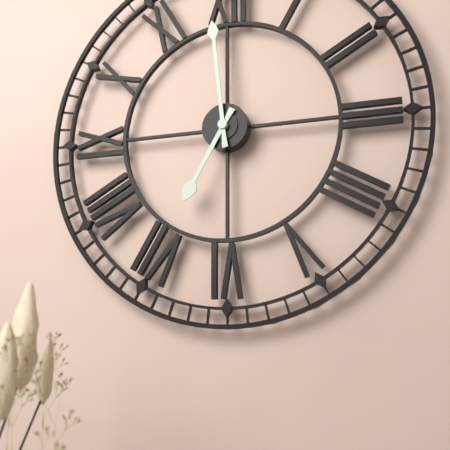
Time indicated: 6:59
